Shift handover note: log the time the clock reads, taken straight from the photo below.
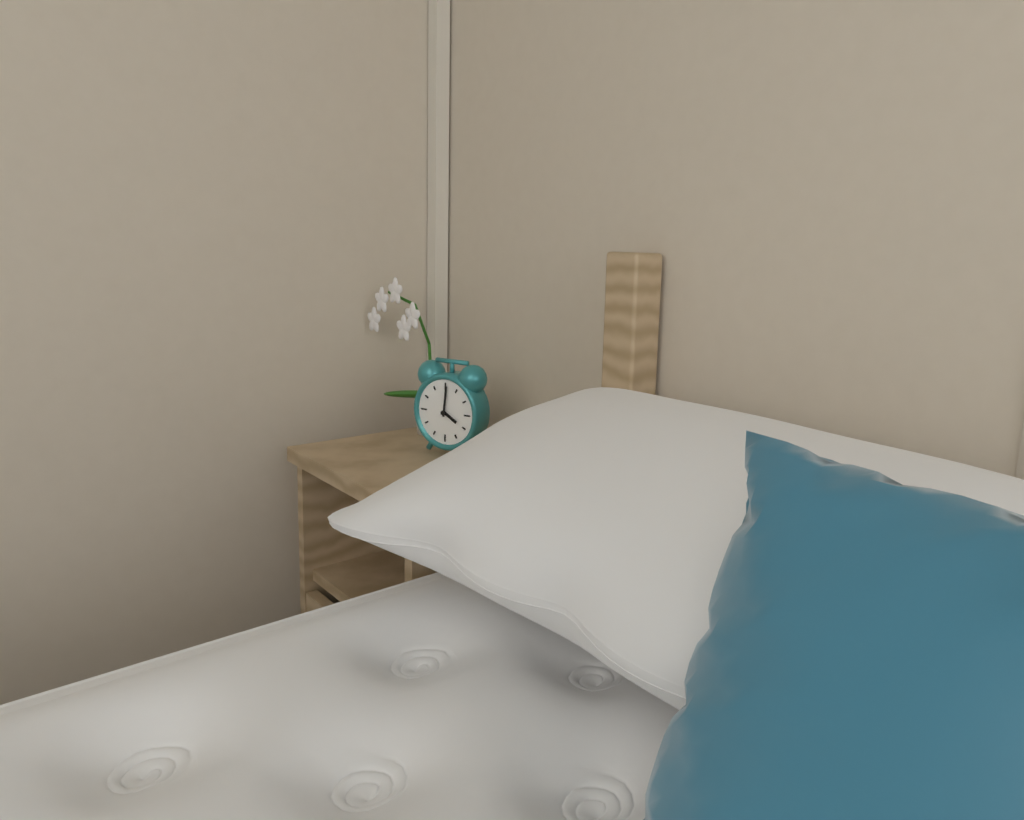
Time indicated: 4:01
